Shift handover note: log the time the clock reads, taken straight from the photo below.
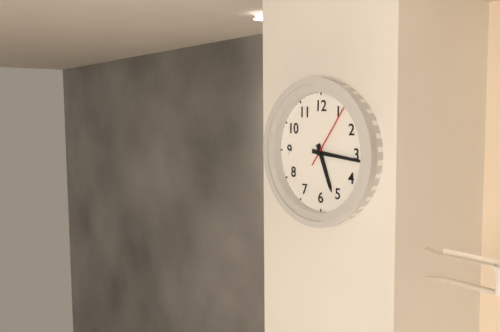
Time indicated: 5:16:06
